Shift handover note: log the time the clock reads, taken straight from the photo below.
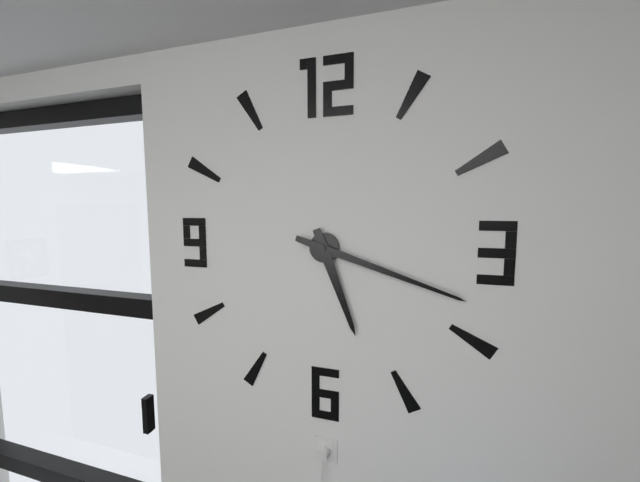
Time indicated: 5:18
